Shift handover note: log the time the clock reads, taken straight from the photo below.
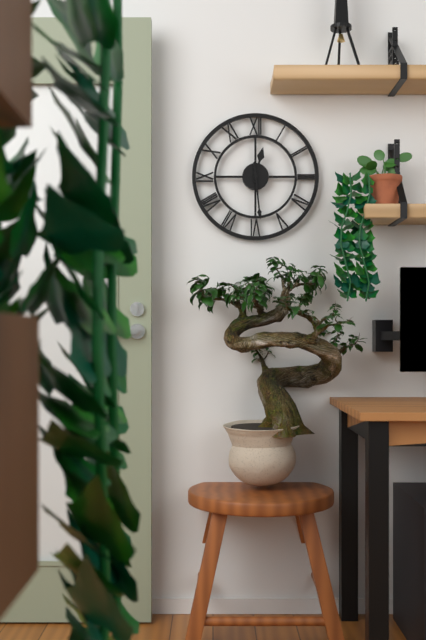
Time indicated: 12:29
